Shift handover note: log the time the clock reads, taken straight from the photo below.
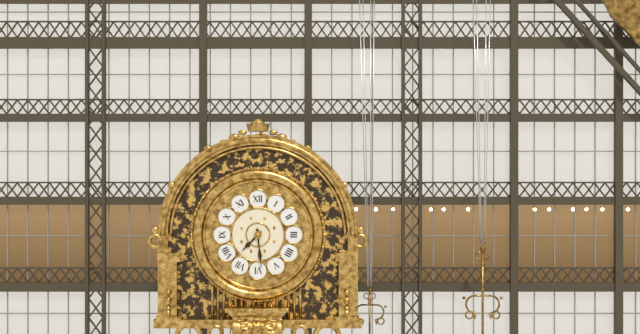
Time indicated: 7:29
